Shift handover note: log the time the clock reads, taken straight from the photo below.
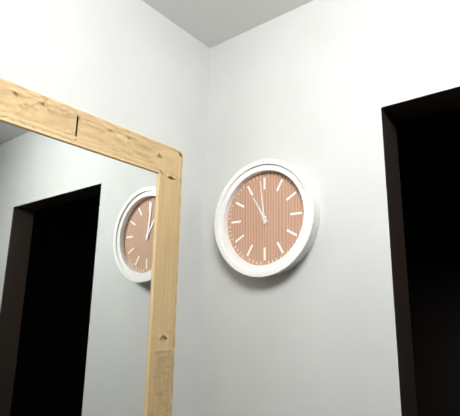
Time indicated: 10:59
